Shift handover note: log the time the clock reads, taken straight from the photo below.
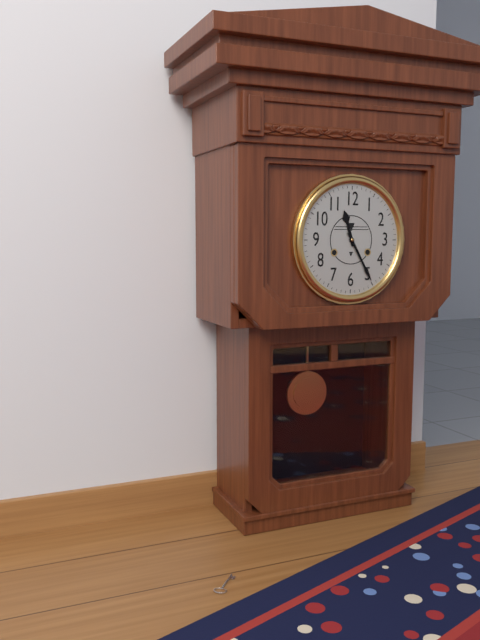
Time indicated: 11:25
